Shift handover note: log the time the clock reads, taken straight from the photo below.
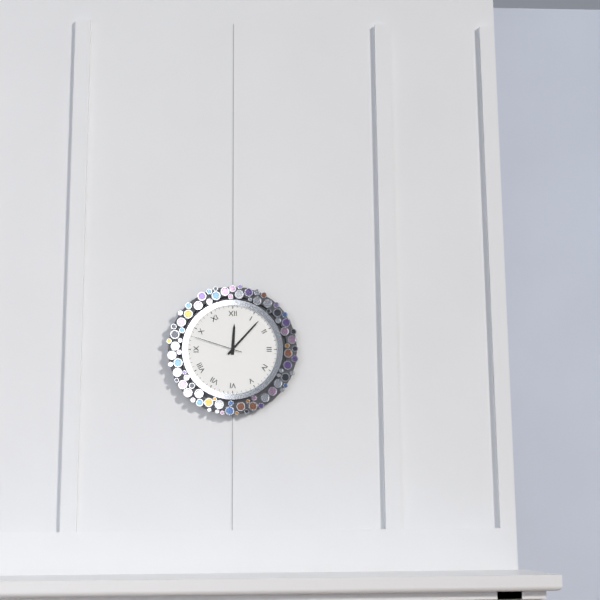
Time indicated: 12:07:48
